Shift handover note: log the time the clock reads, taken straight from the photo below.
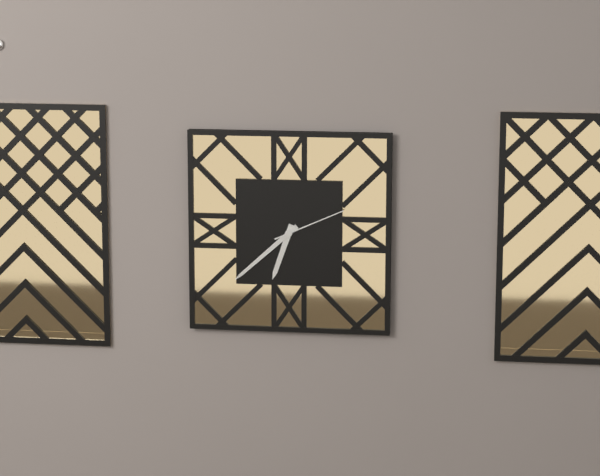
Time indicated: 6:38:11
